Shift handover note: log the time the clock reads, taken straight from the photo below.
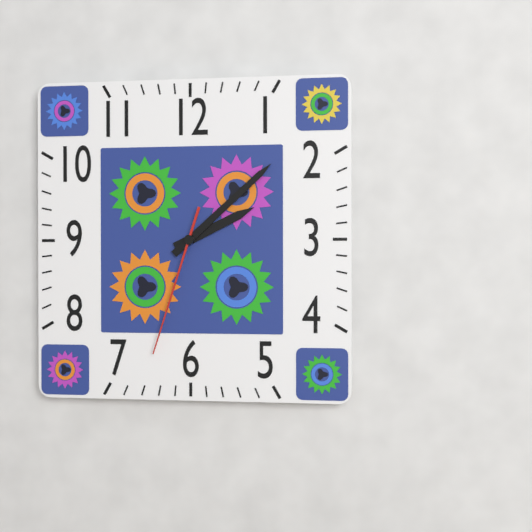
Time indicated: 2:08:33
